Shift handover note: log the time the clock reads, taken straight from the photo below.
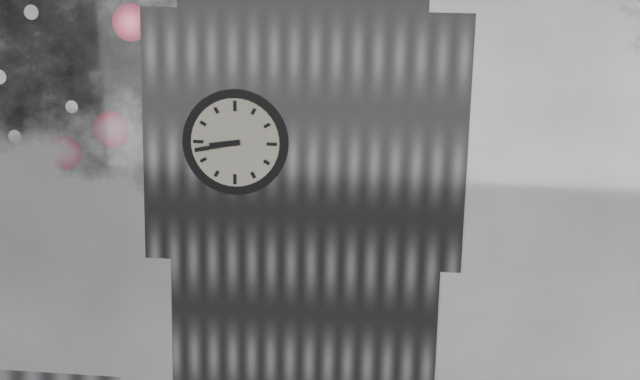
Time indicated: 8:43
